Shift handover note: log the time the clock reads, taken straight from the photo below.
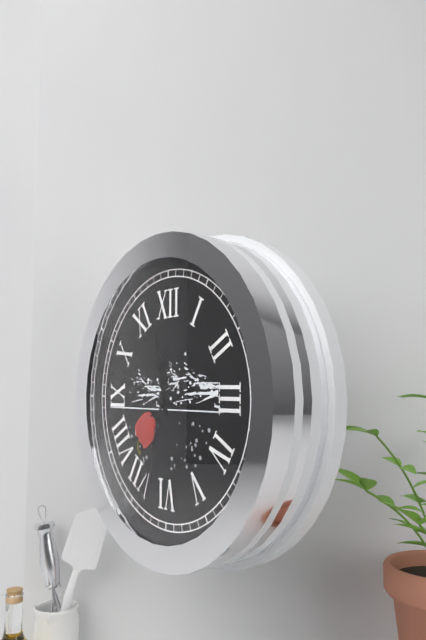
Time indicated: 11:33:48
